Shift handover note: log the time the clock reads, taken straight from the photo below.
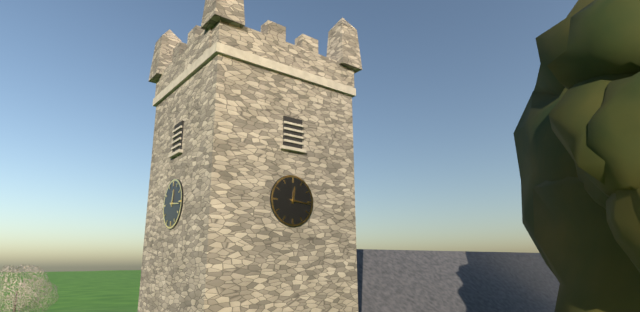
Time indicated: 12:16
